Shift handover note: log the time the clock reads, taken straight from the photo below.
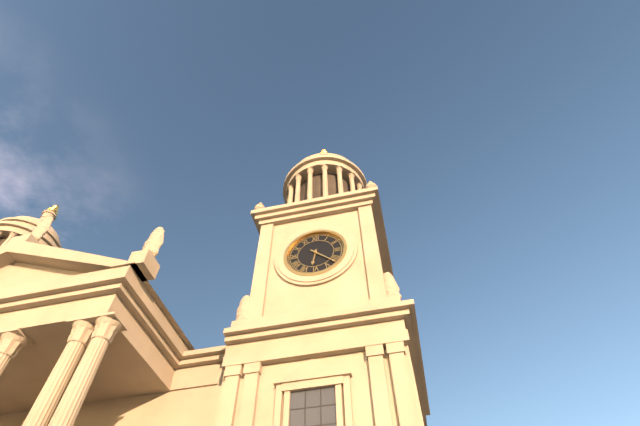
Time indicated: 6:22
